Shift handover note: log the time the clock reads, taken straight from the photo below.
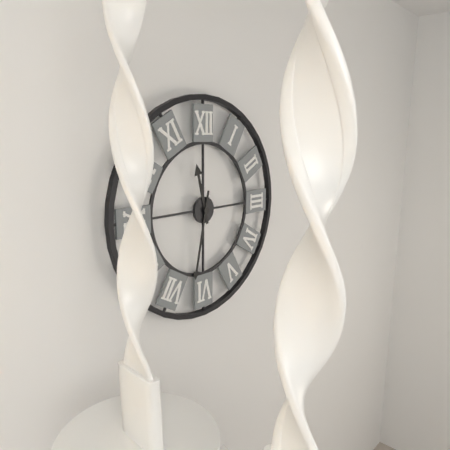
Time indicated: 11:32
